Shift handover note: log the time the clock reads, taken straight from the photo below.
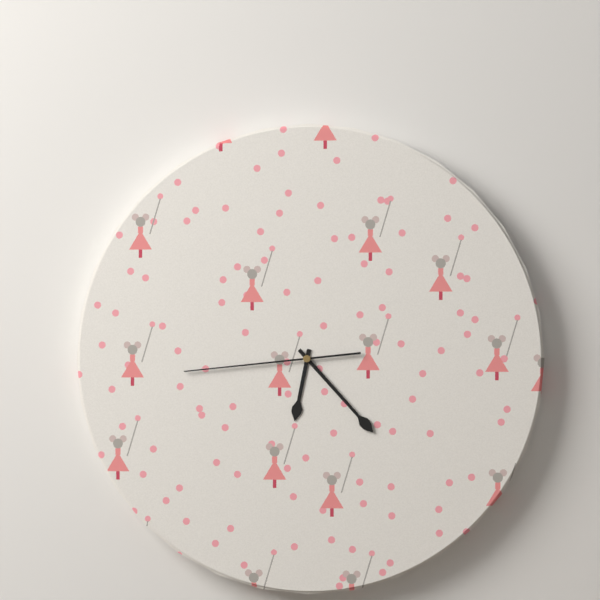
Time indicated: 6:23:44
